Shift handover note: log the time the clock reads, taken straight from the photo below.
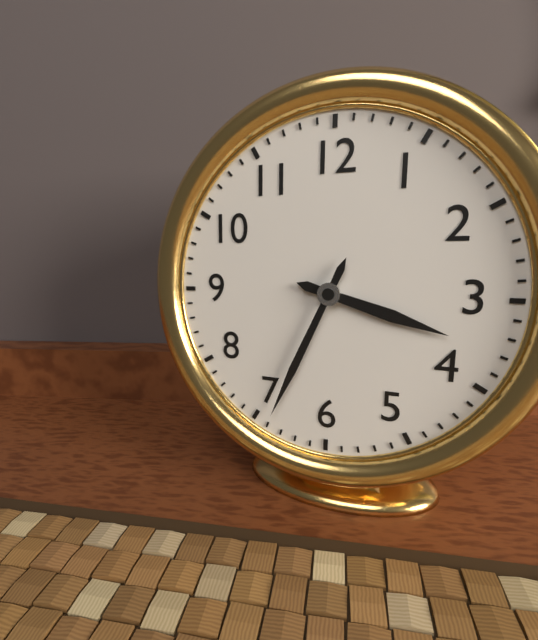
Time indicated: 3:34
